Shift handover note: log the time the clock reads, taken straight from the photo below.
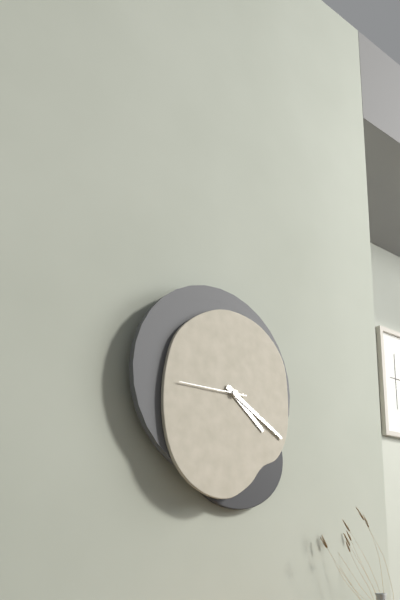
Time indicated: 4:20:45
